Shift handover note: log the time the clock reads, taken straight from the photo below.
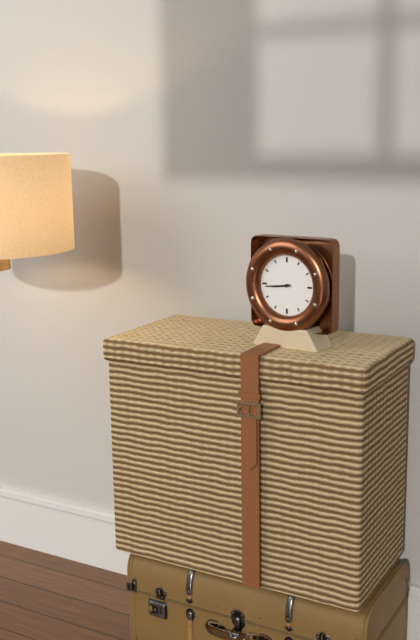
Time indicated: 8:44
